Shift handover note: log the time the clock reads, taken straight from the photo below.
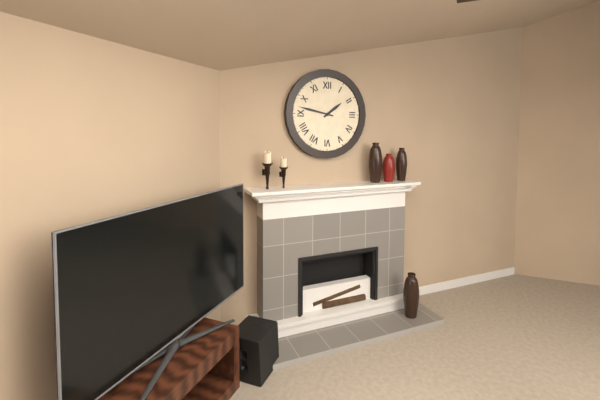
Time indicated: 1:47
